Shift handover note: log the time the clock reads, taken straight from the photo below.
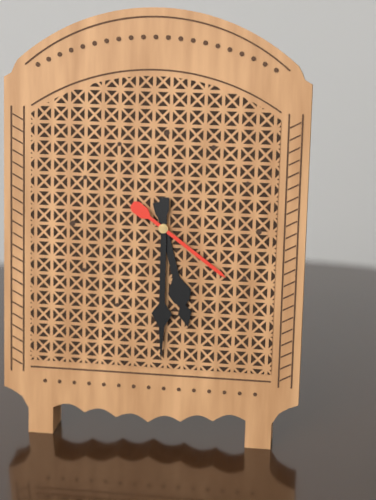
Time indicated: 5:30:21
